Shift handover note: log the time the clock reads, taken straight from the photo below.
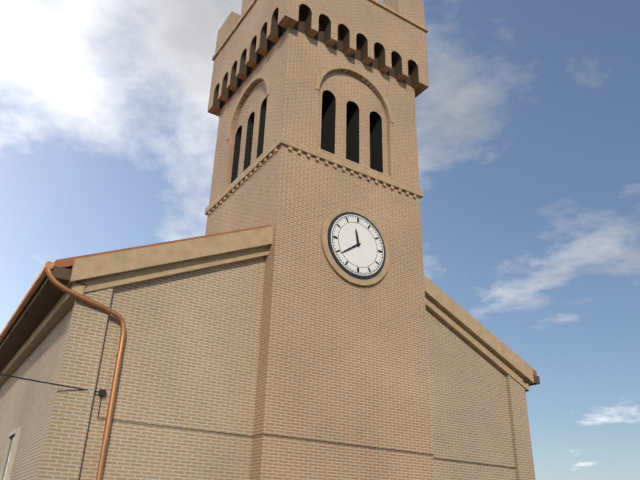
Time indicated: 11:39
